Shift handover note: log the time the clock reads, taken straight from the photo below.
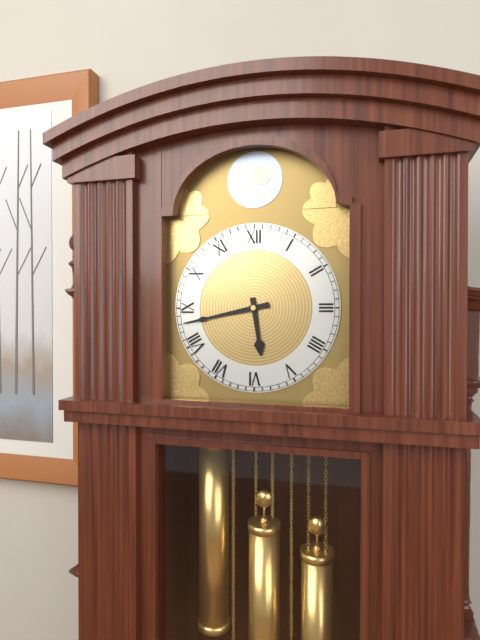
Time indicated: 5:43
